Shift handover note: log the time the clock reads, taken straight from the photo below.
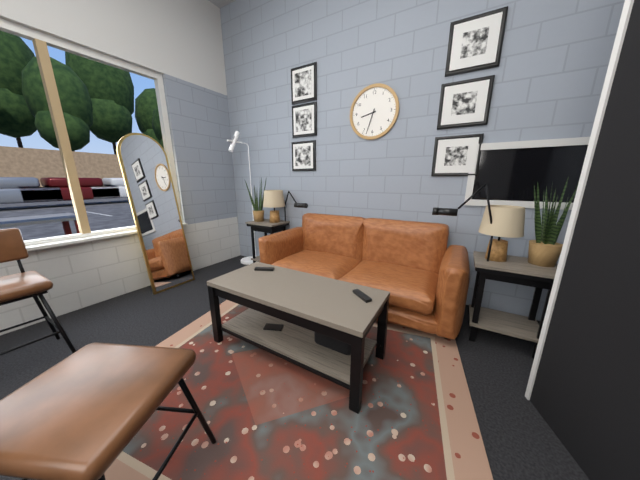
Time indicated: 8:33
